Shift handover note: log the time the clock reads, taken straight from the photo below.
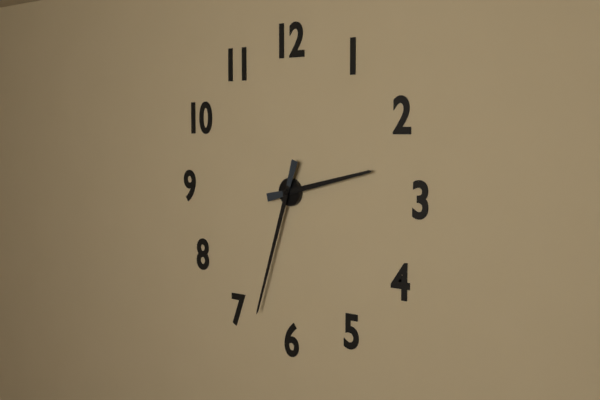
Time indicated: 2:33
